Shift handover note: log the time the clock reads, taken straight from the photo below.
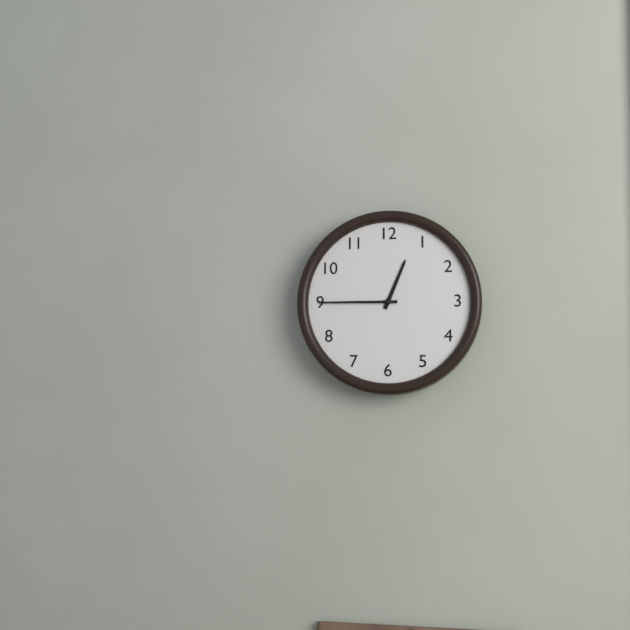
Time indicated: 12:45
